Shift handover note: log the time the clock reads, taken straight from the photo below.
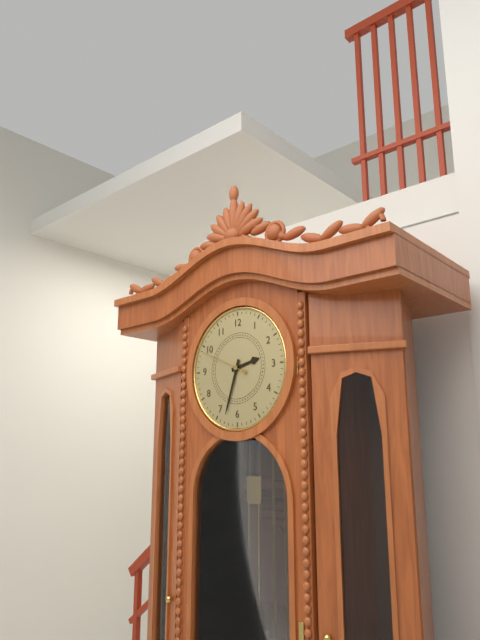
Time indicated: 2:33:49
